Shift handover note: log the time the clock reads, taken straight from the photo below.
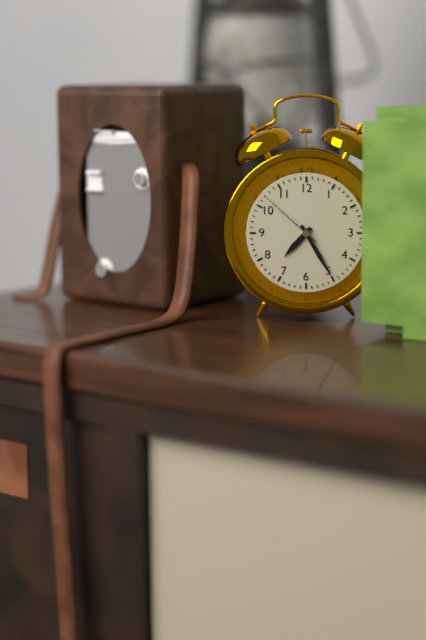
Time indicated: 7:25:52
